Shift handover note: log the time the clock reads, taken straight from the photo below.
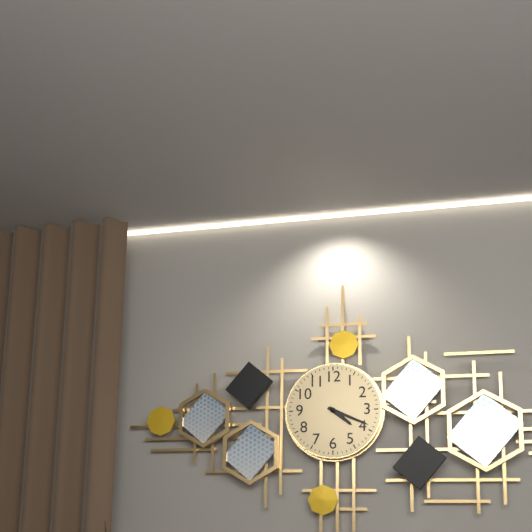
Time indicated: 4:19
